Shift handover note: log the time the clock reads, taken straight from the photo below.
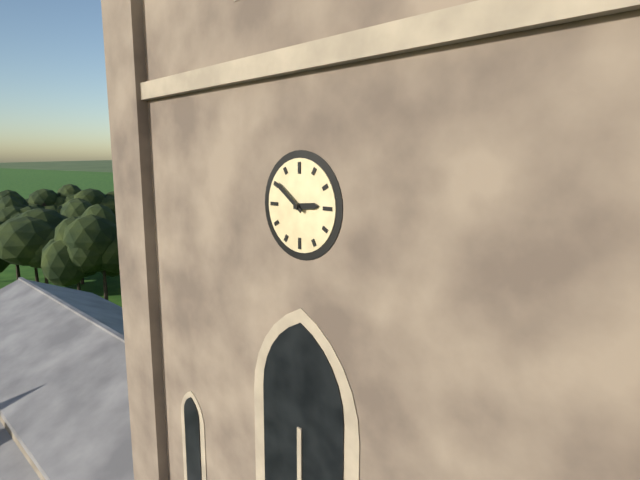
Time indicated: 2:51
